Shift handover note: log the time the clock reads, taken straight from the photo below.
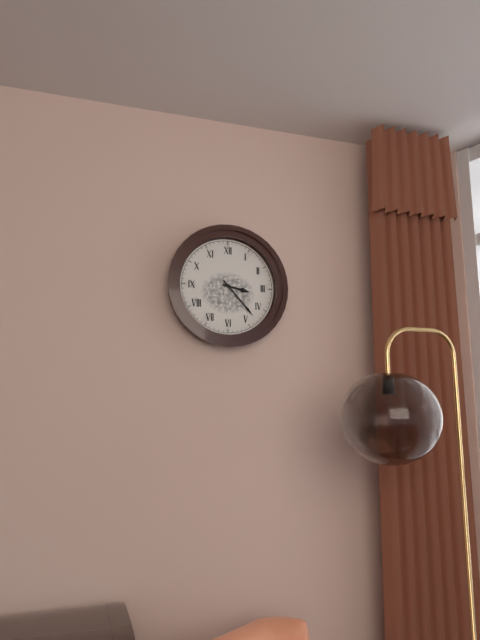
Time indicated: 3:23
